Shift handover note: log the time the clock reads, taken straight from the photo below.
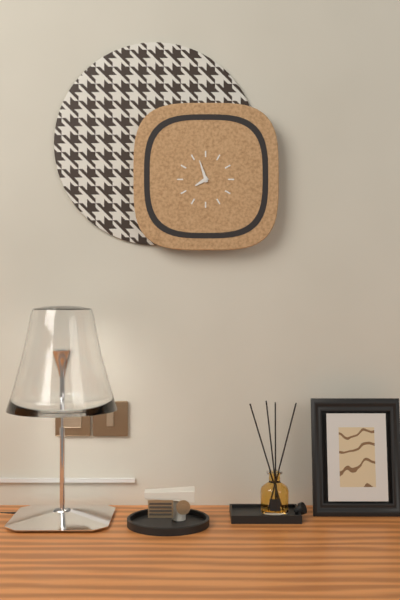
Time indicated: 7:57
